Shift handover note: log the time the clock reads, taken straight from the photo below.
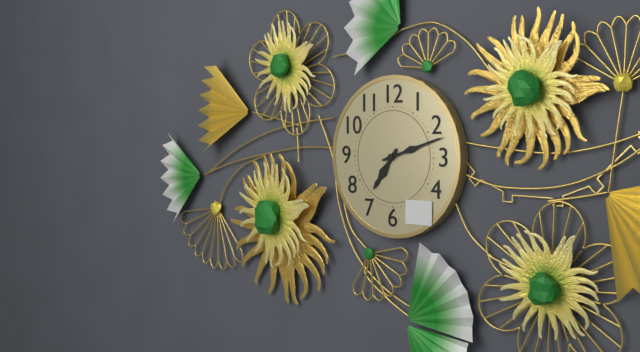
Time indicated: 7:12
